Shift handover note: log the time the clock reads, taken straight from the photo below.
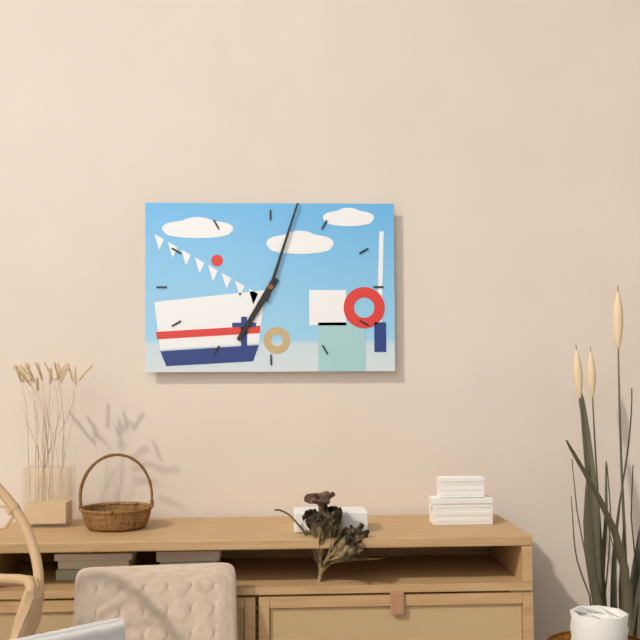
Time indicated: 7:03
